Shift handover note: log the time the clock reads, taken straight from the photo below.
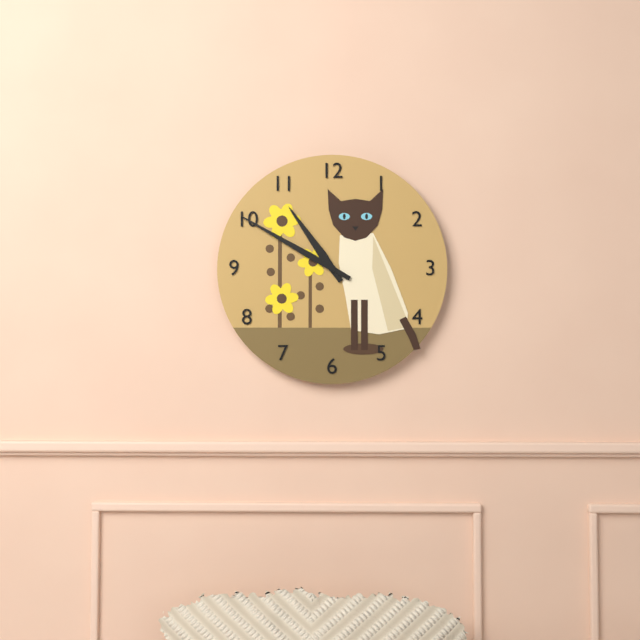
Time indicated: 10:50
